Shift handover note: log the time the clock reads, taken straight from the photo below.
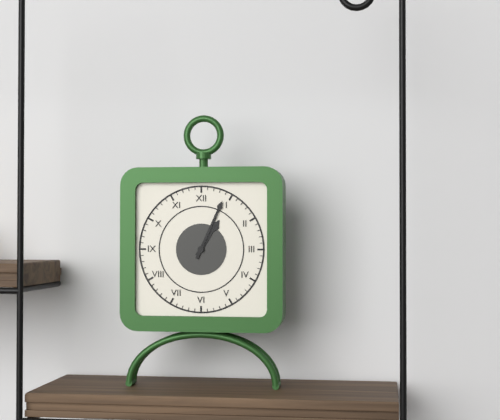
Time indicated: 1:04
